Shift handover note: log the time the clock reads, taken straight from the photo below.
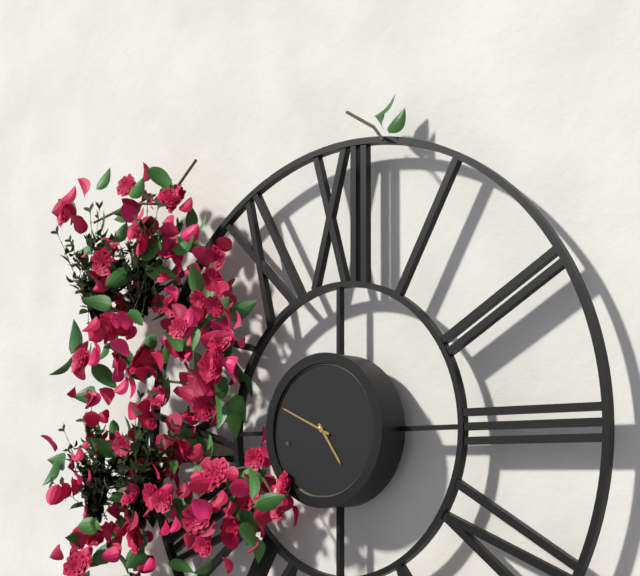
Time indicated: 4:49
